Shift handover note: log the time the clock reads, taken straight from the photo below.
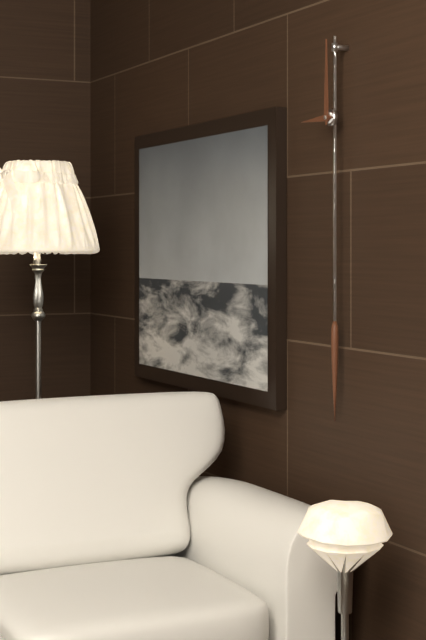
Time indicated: 9:00
